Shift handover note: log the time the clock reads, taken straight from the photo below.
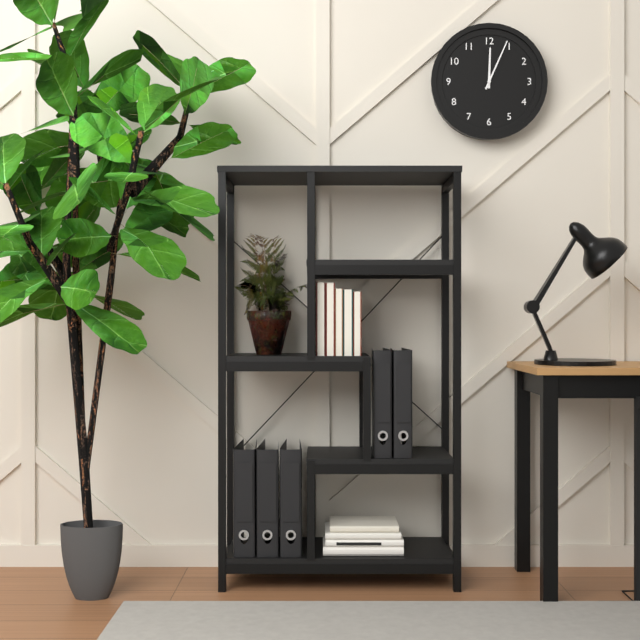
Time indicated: 12:04
